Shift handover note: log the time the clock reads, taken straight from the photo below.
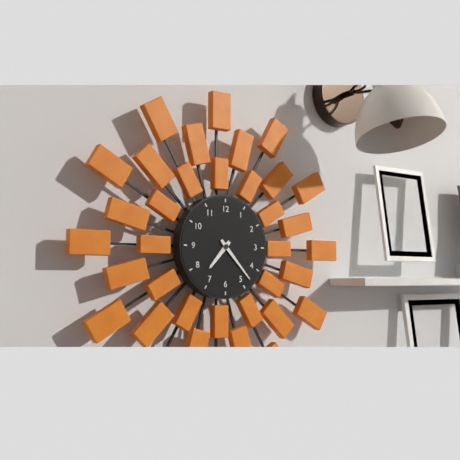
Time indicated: 7:23
